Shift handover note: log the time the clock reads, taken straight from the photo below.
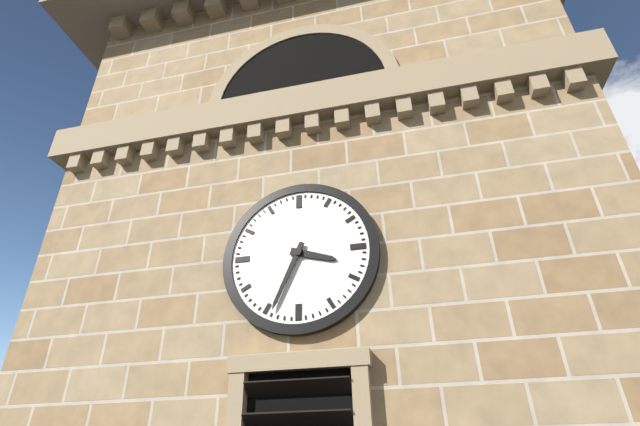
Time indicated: 3:34
